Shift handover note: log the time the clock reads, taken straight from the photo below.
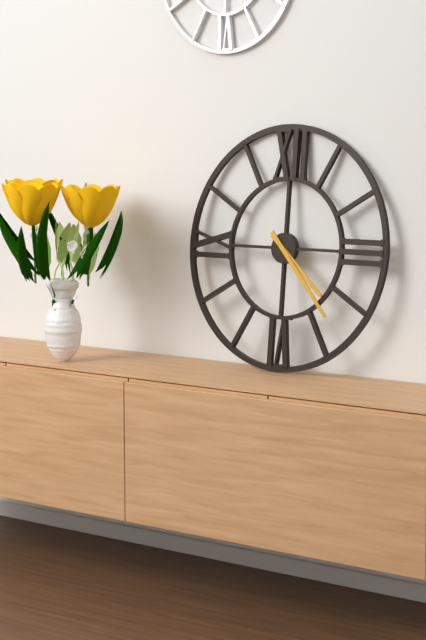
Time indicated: 4:23
